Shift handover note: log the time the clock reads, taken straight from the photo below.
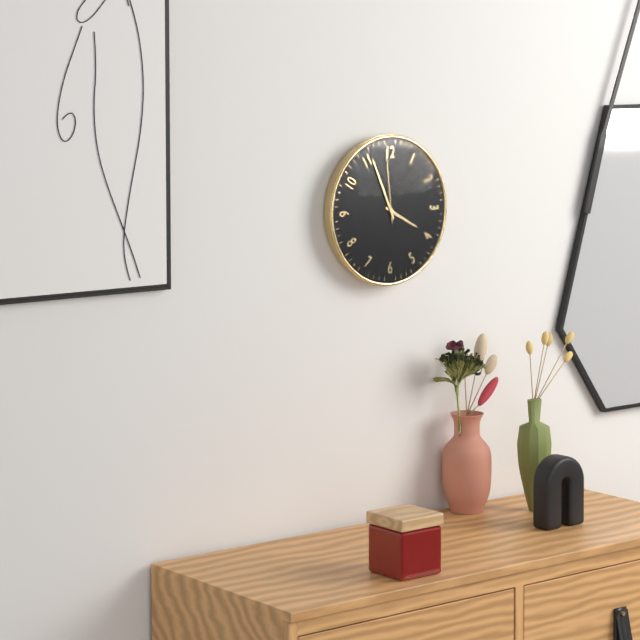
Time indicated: 3:56:59
